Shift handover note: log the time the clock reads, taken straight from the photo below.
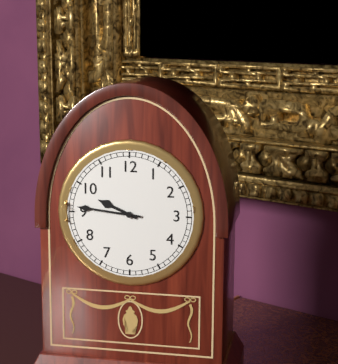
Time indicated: 9:46
